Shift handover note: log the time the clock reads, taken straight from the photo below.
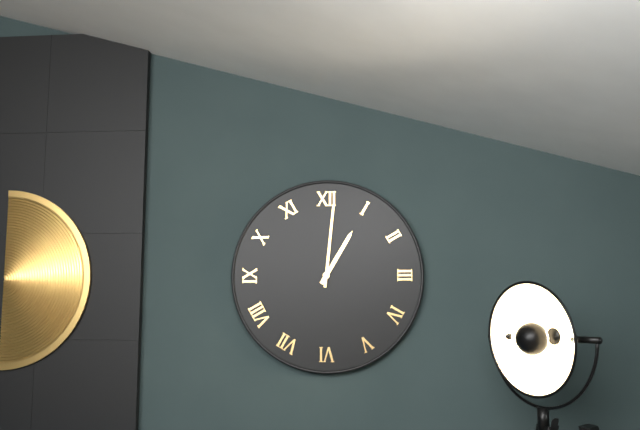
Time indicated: 1:01
